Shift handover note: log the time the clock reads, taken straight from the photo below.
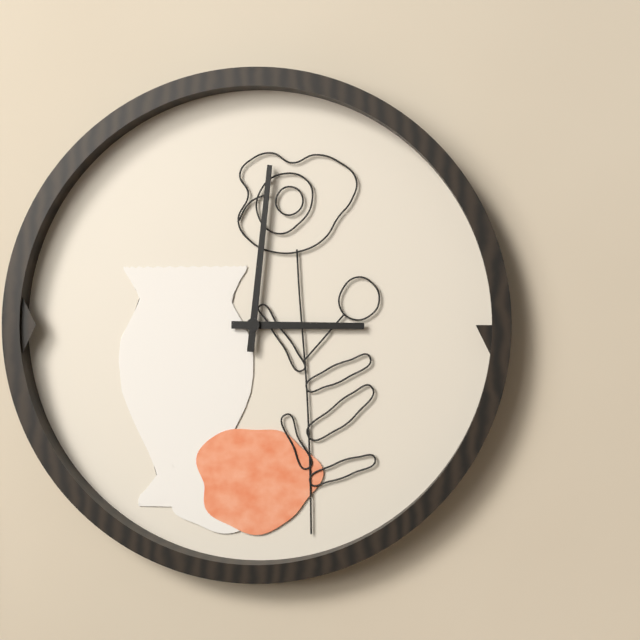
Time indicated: 3:01
